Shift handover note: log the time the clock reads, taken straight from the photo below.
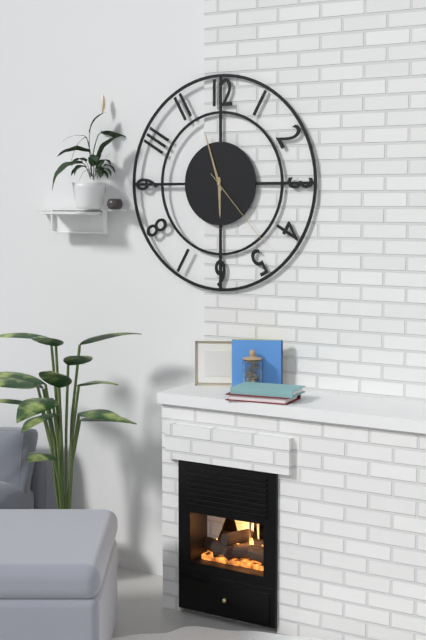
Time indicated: 5:57:23
